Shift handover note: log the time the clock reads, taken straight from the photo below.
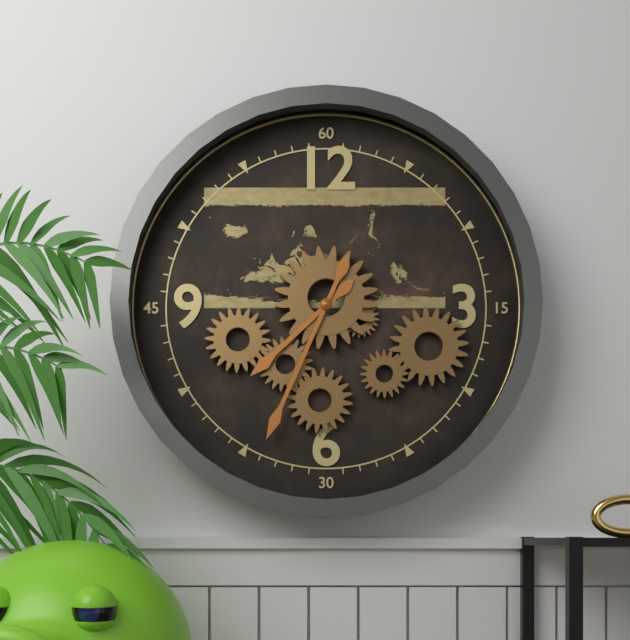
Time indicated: 7:34
